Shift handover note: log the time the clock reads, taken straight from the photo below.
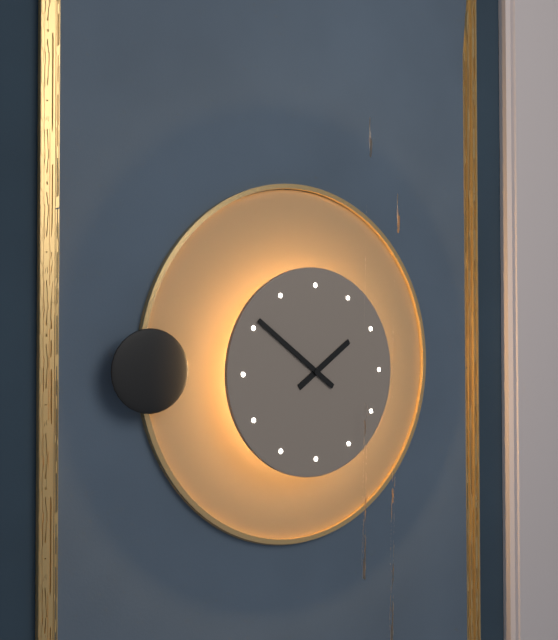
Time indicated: 1:51
